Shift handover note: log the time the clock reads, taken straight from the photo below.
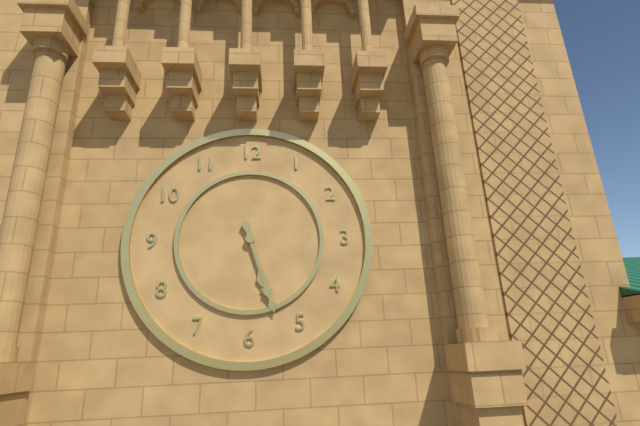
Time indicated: 5:27
